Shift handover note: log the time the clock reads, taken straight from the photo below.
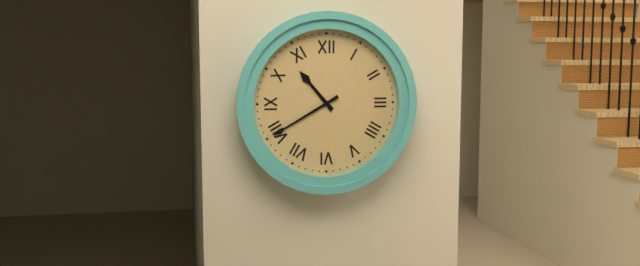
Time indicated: 10:40
